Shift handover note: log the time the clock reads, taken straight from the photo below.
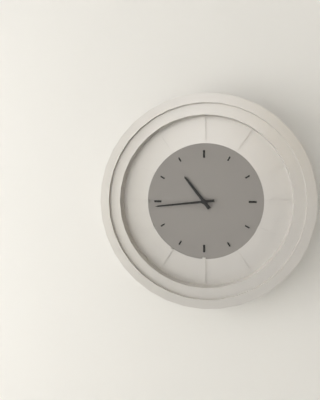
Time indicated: 10:44
